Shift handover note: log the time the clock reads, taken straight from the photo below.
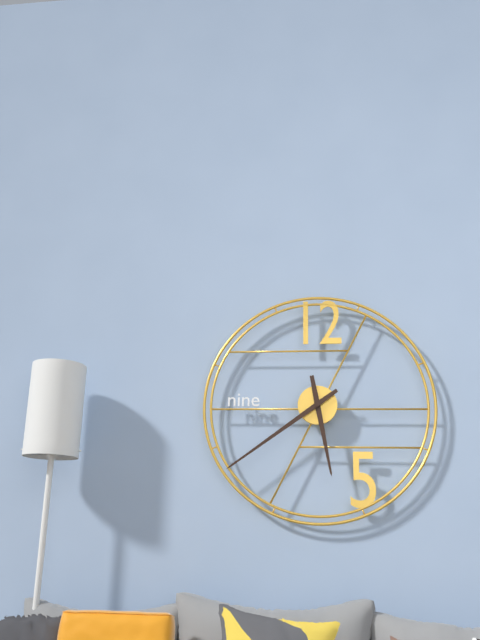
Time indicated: 5:39
